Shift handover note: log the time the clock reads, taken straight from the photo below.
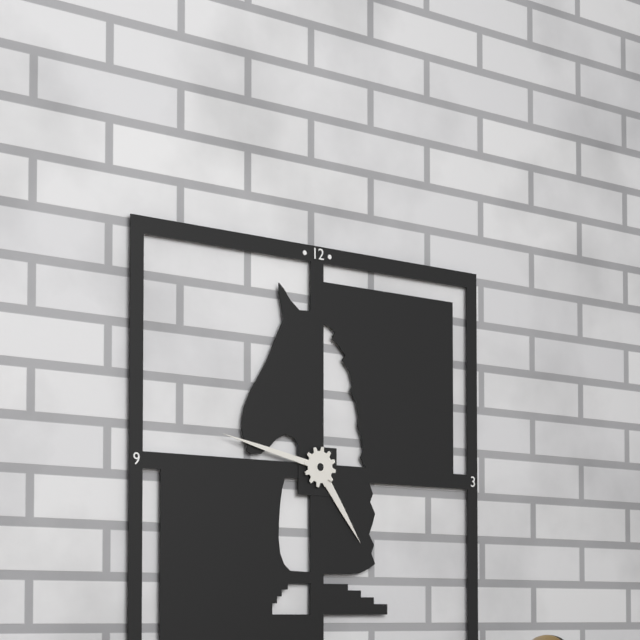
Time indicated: 4:47
